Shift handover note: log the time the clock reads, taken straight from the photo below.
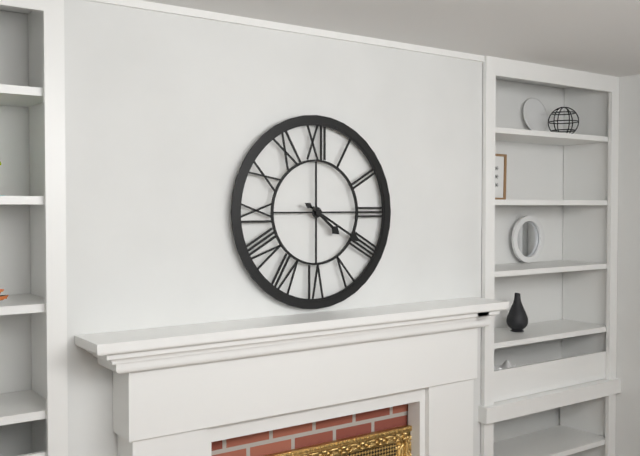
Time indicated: 4:20
